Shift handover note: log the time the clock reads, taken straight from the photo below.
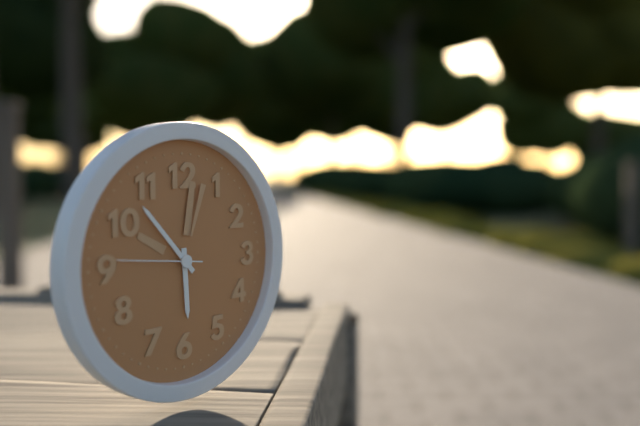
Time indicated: 5:53:46
